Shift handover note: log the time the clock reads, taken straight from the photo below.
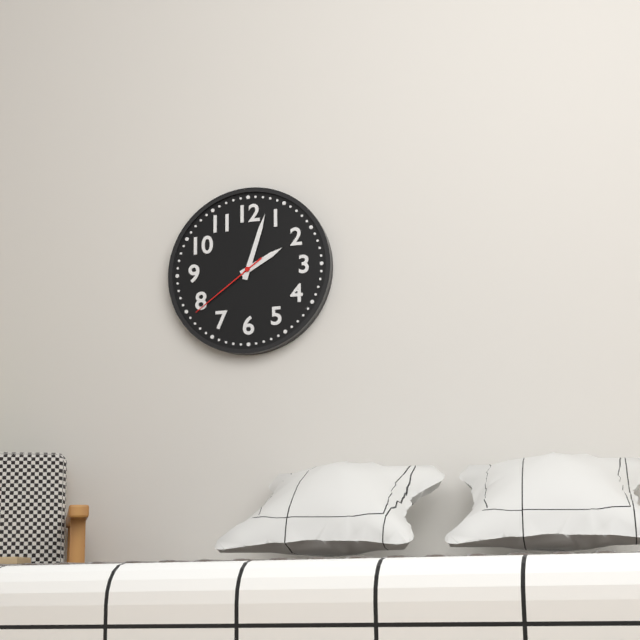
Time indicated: 2:03:39
